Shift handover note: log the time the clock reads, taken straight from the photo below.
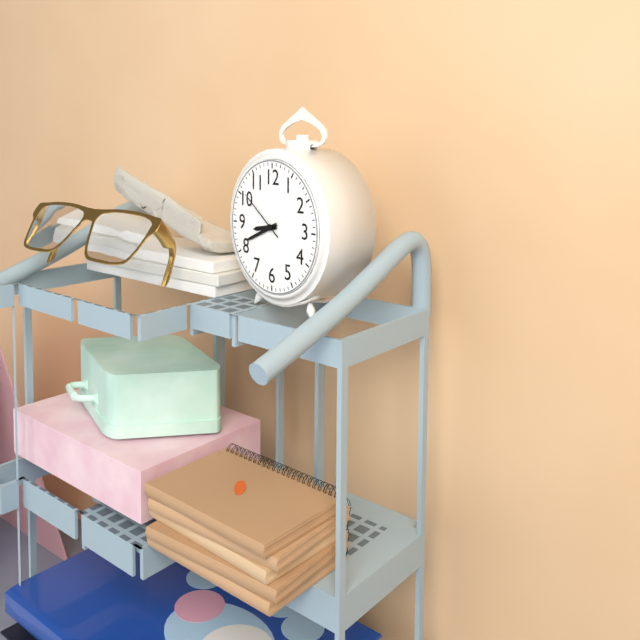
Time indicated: 8:41:51
